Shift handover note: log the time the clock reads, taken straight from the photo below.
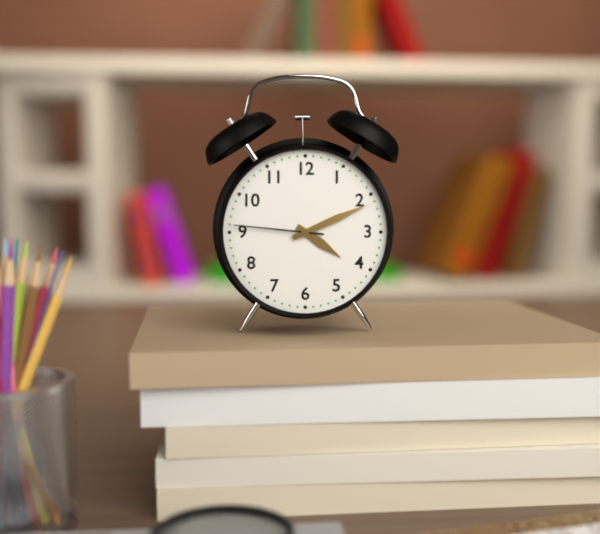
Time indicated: 4:11:46
